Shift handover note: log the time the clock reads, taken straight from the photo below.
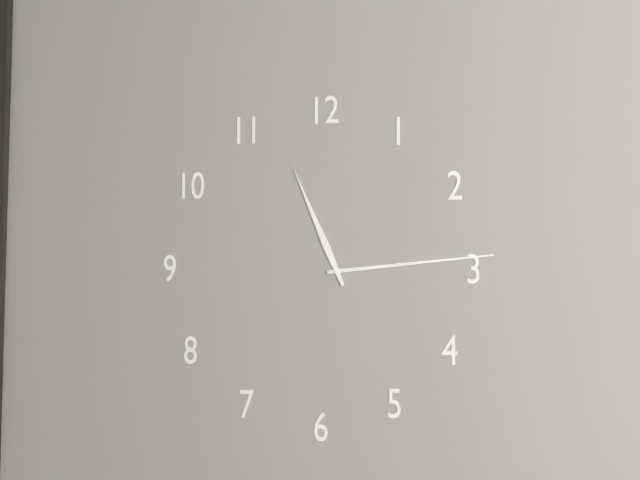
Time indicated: 11:14
